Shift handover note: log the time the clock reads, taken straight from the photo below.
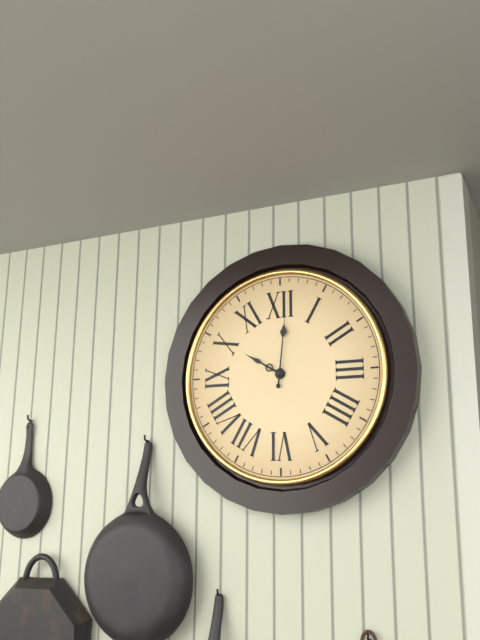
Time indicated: 10:01
